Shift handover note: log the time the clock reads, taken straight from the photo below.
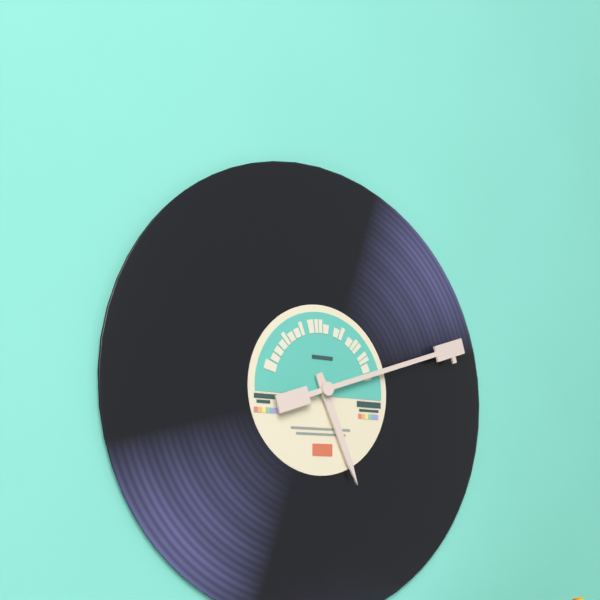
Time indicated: 5:12
